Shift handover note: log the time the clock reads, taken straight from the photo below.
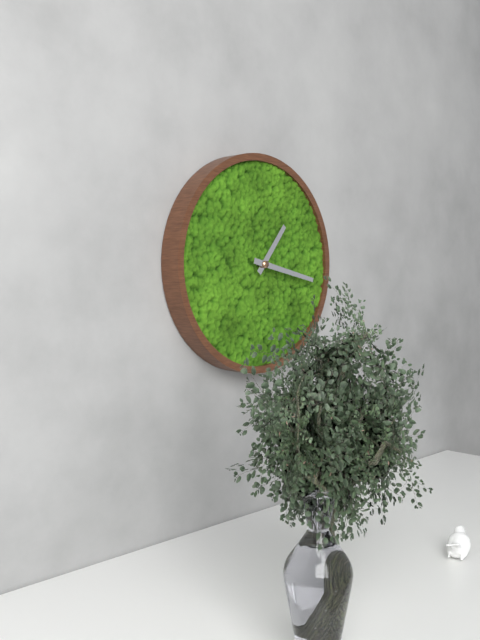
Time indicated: 1:17
